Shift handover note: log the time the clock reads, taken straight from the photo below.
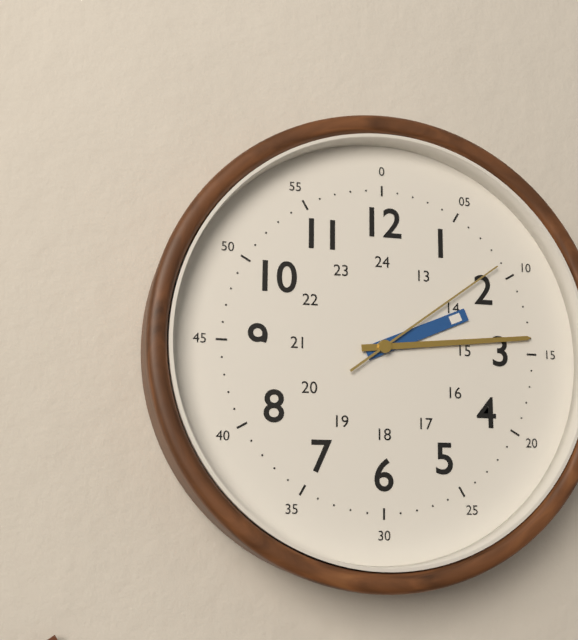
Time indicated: 2:14:09
